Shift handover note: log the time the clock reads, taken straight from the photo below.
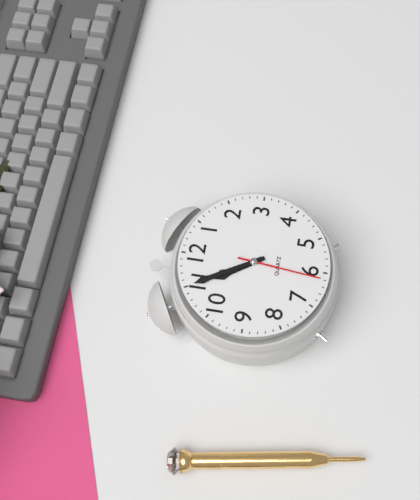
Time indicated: 10:55:31
